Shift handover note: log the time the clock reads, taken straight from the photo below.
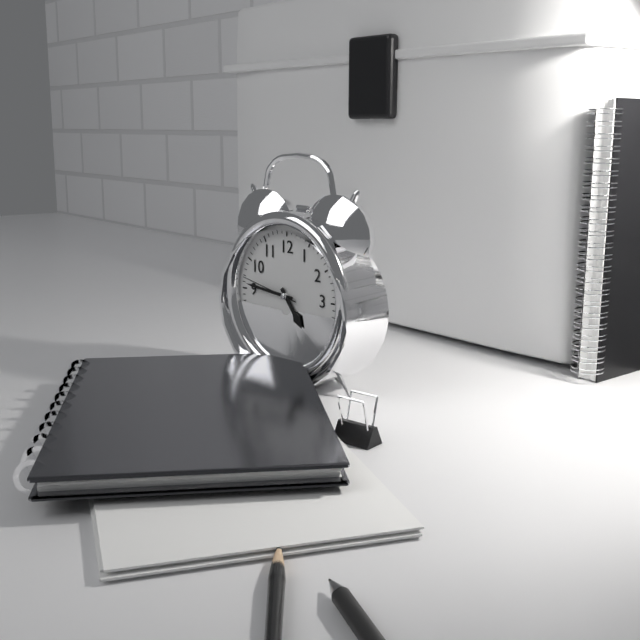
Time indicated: 4:46:47
